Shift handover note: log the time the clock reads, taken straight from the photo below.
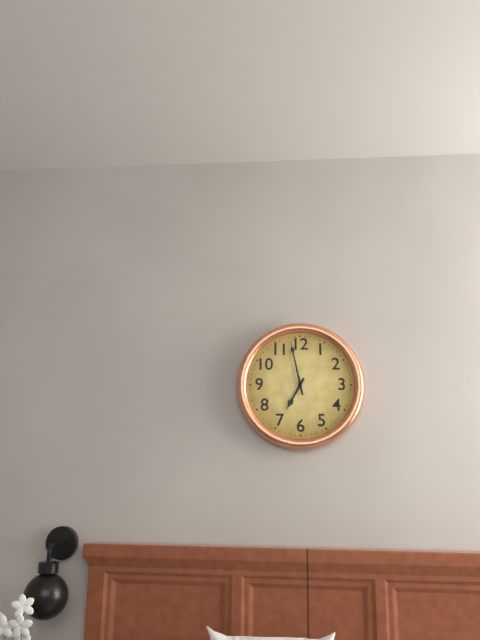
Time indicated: 6:58
